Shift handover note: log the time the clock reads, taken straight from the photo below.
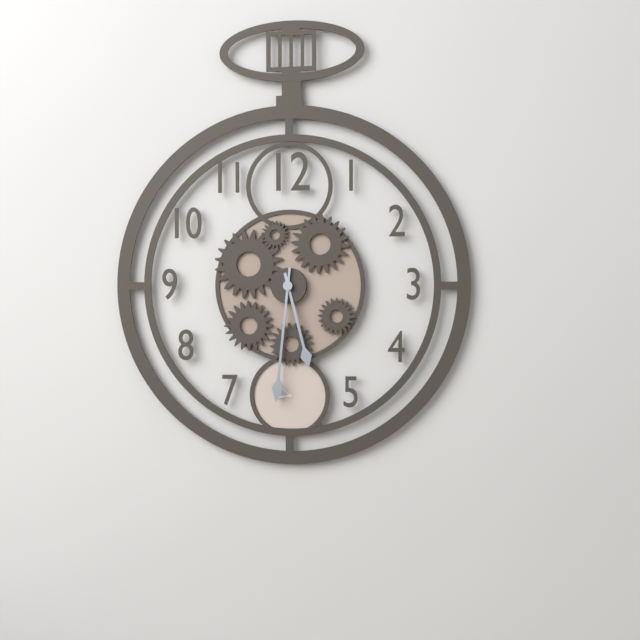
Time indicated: 5:31
